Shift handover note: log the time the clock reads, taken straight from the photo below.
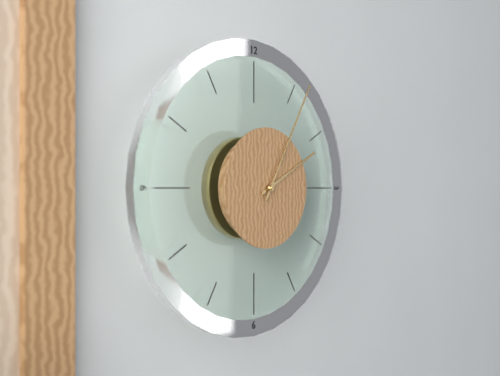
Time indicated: 2:05
